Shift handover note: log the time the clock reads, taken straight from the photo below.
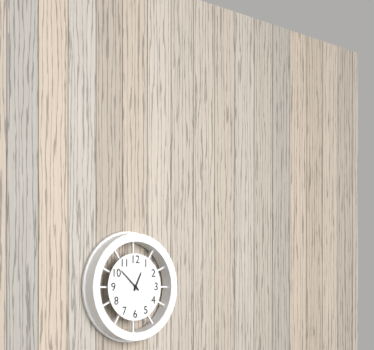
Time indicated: 12:52
